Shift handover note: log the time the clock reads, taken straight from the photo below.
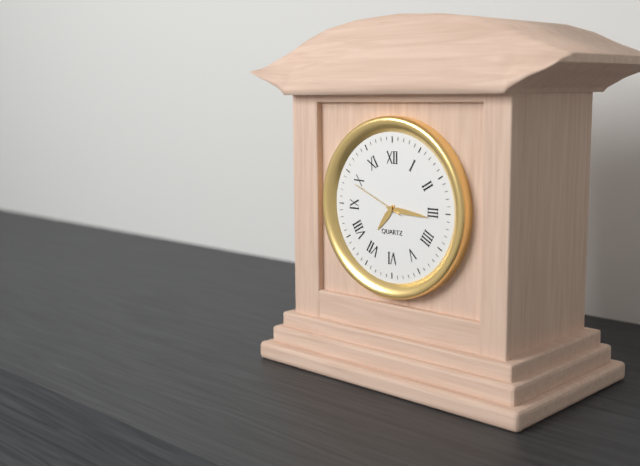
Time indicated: 7:16:49
